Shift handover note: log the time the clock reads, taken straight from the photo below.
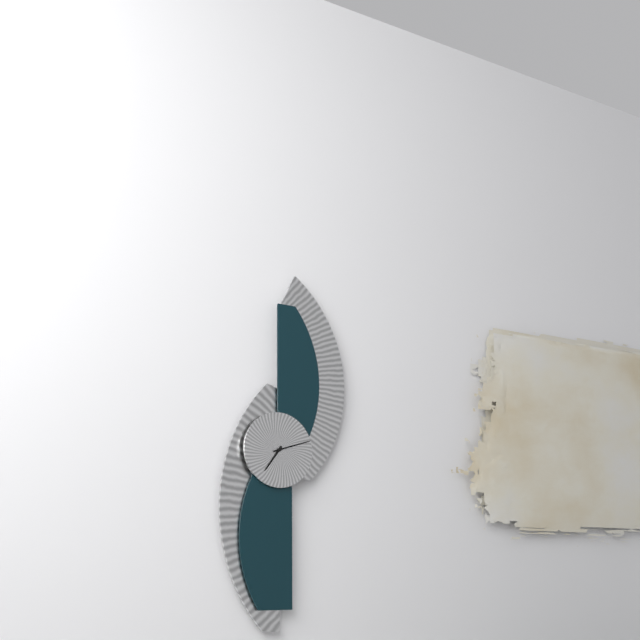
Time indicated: 7:12
